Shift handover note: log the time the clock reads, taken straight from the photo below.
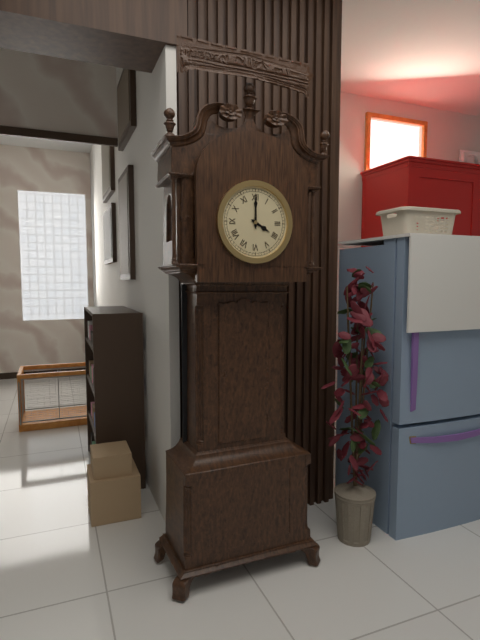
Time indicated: 4:00
